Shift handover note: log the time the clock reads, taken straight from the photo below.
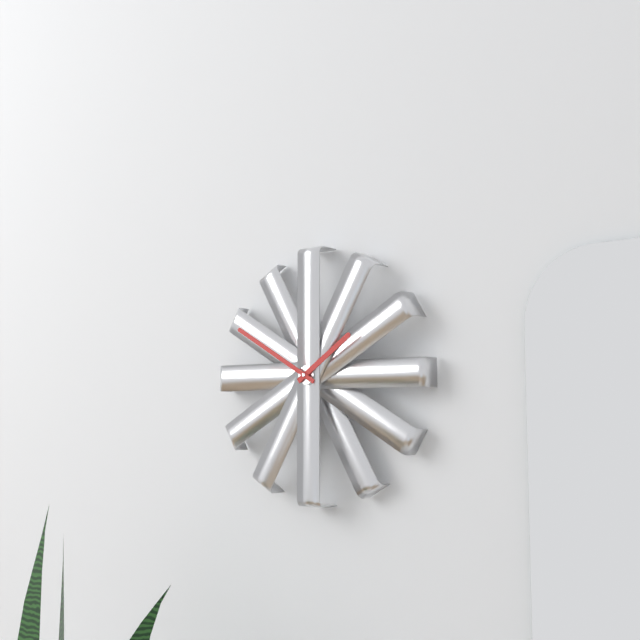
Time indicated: 1:50
